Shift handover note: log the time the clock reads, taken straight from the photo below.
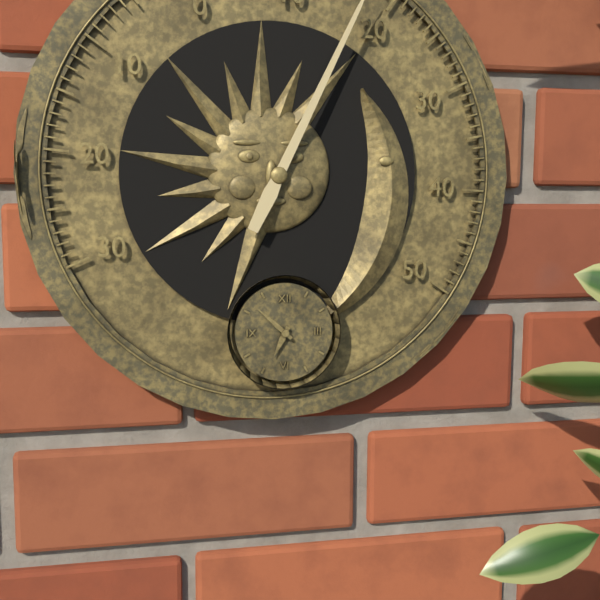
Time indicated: 6:52
